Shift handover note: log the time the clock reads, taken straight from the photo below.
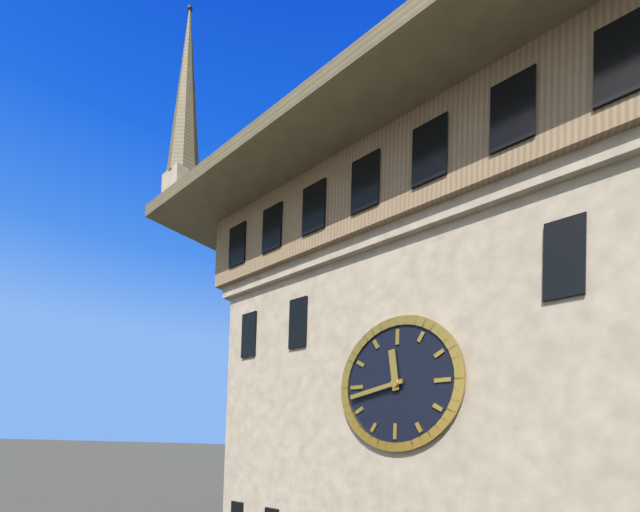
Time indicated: 11:43
